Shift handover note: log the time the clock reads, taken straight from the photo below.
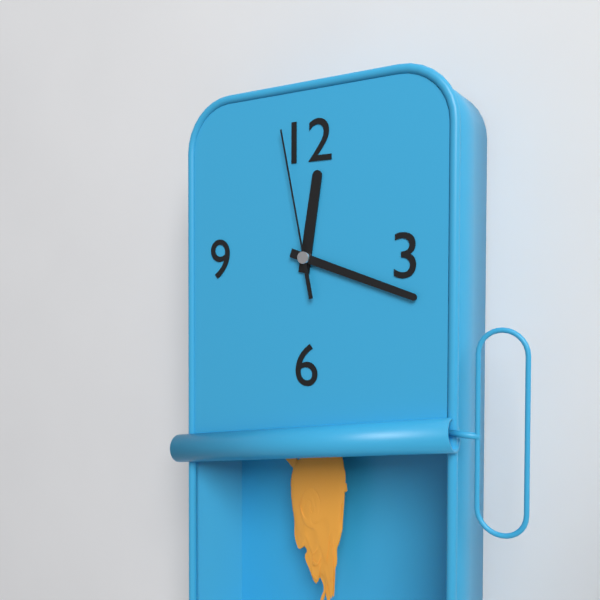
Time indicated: 12:18:58
